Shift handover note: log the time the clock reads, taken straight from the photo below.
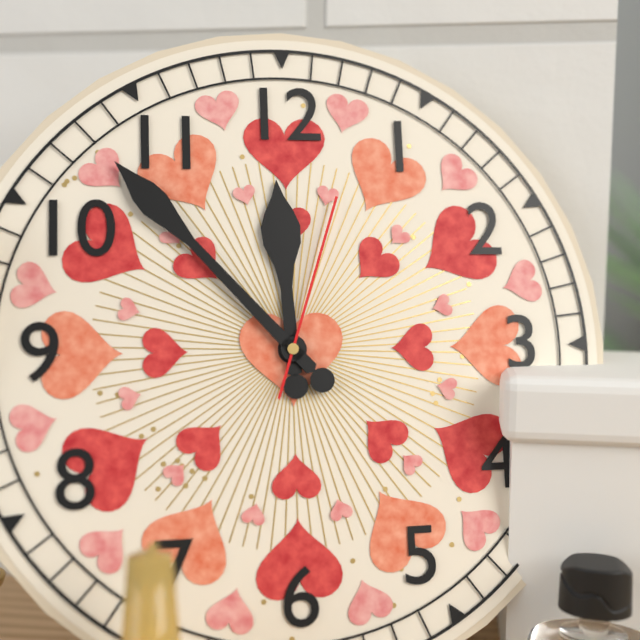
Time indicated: 11:53:03
